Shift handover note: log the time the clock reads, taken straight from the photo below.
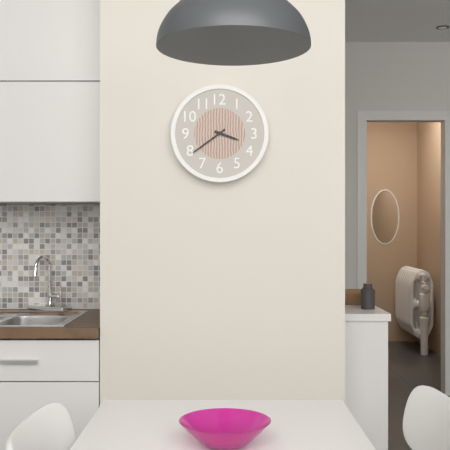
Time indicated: 3:39
